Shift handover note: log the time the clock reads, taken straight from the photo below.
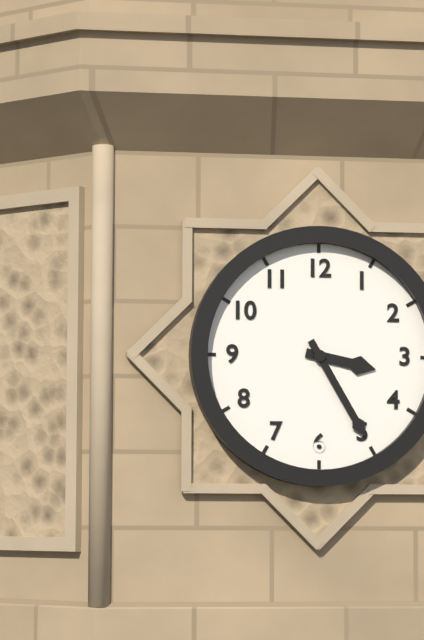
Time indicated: 3:25
